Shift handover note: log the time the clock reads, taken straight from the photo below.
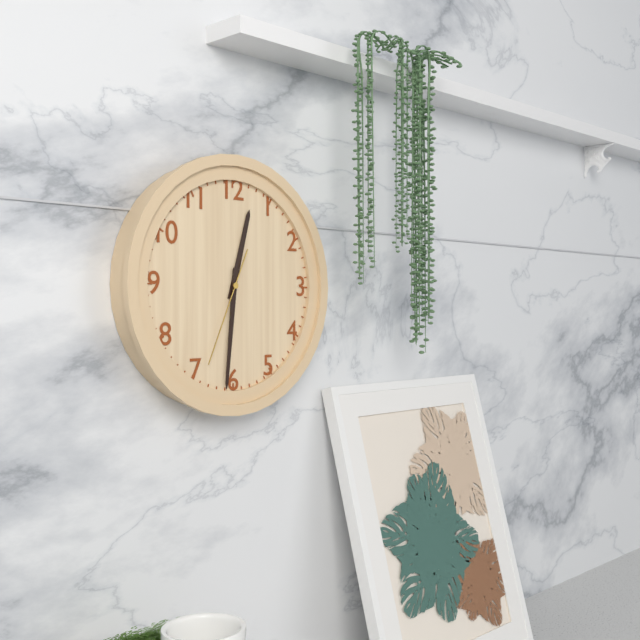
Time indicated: 12:31:34
